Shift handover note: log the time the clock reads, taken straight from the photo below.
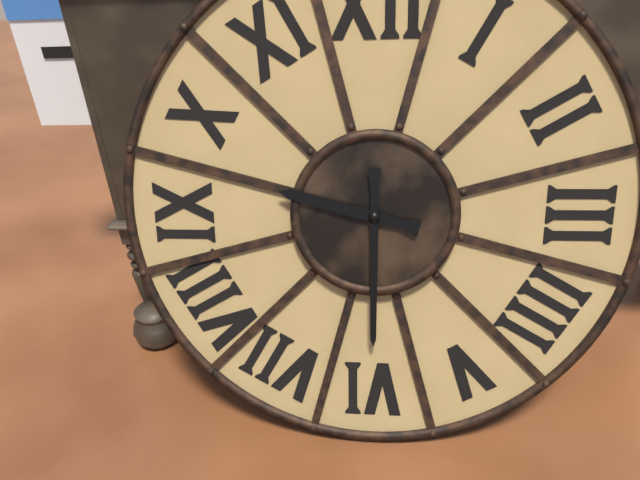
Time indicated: 9:30
